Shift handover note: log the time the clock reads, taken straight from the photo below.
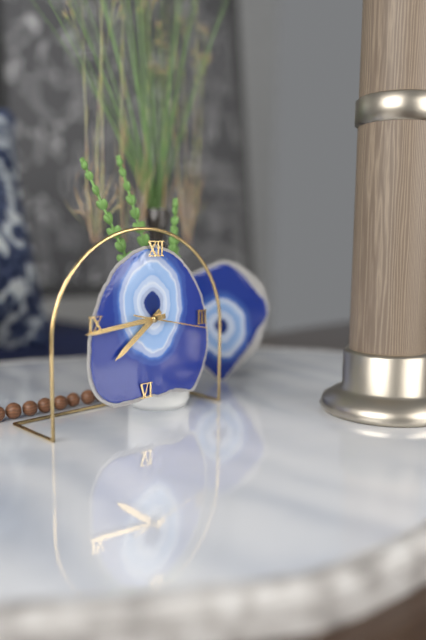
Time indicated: 7:44:17
